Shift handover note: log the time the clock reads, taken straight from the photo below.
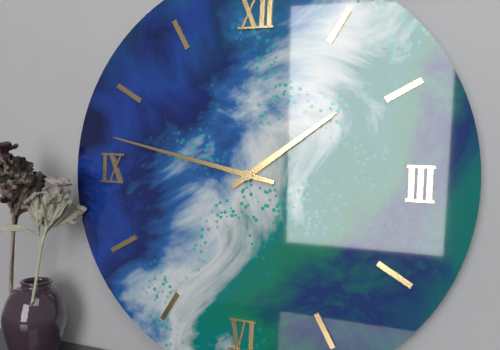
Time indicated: 1:47
